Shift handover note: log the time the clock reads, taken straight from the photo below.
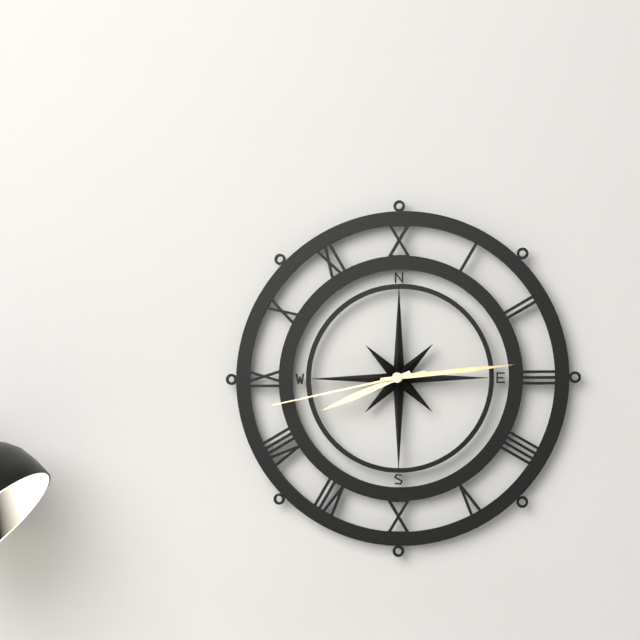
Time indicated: 8:14:43
